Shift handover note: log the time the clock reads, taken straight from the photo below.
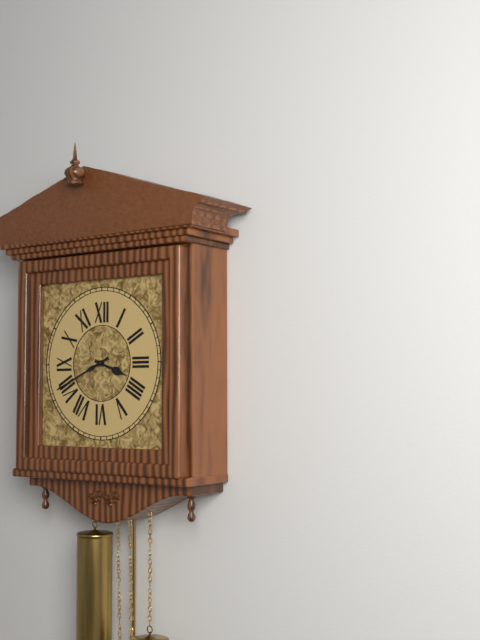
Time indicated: 3:41
